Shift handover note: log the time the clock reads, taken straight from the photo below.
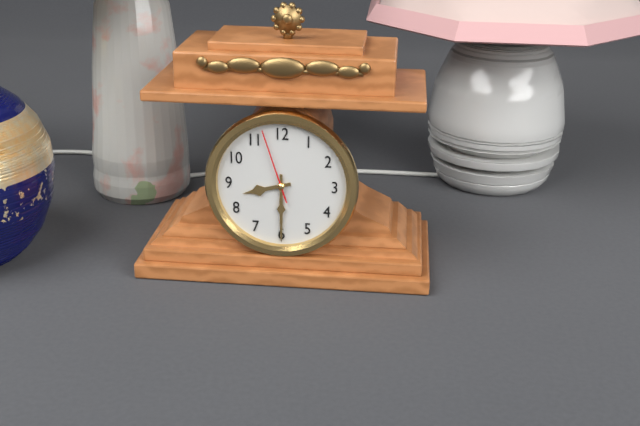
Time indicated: 8:30:57
